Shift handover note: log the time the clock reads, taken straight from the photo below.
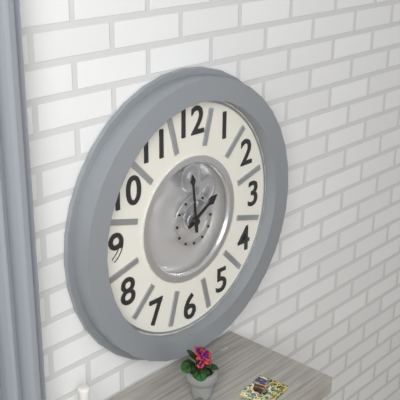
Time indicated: 1:59
